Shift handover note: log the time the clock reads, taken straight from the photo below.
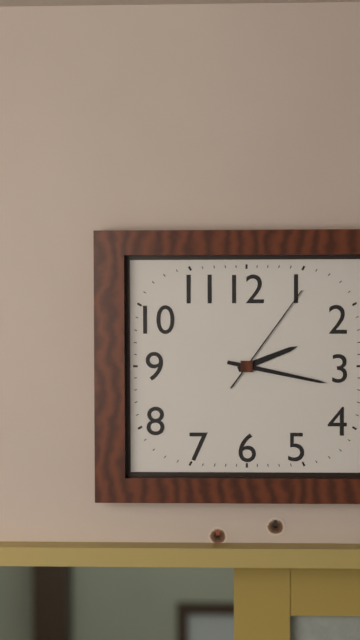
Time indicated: 2:17:06
